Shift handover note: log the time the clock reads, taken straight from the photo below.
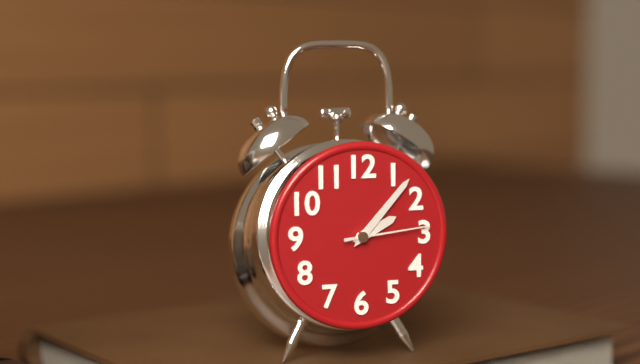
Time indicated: 2:07:14
